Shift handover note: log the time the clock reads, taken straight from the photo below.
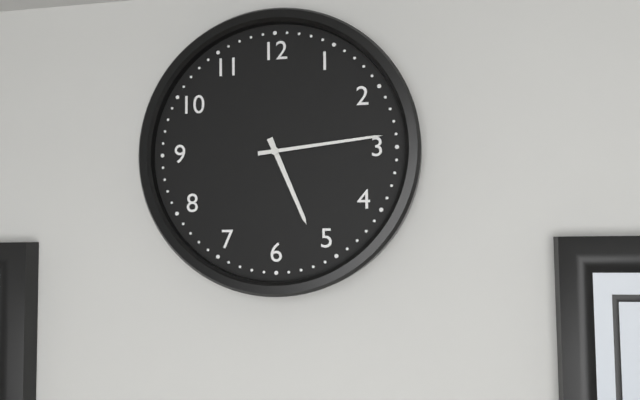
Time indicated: 5:14
